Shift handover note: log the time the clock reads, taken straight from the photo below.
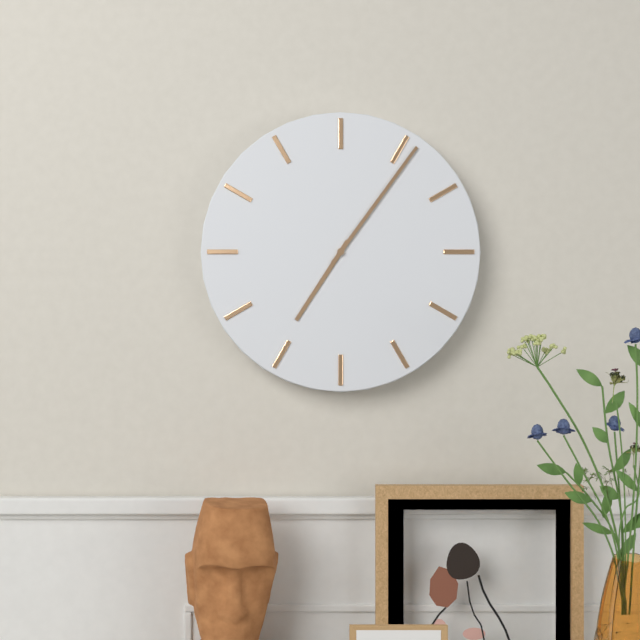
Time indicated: 7:06
